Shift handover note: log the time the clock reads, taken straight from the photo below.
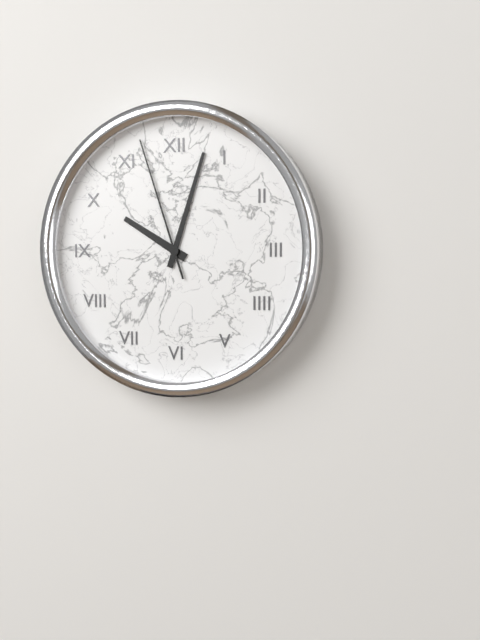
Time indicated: 10:03:57
